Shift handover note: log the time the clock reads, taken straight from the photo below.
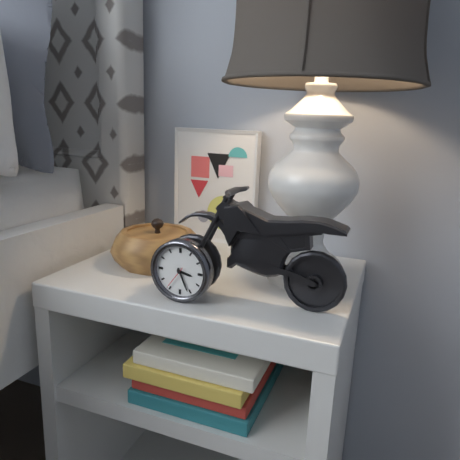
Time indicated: 3:26
